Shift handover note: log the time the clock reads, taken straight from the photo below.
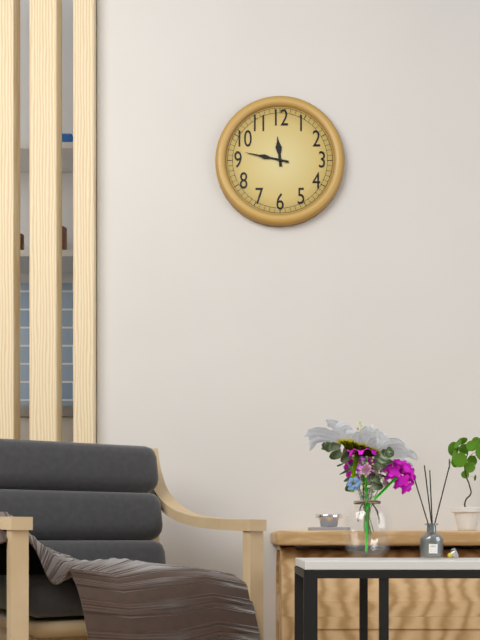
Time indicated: 11:47
